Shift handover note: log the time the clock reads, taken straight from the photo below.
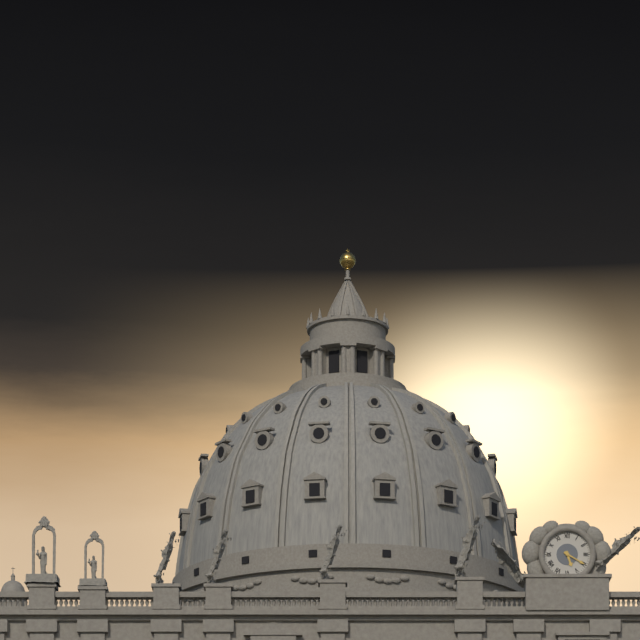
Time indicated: 5:20
